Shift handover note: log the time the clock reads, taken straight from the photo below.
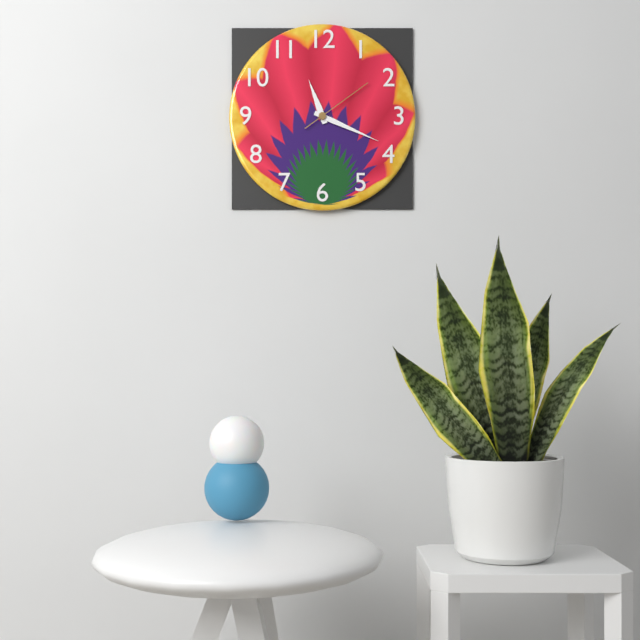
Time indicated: 11:19:09
